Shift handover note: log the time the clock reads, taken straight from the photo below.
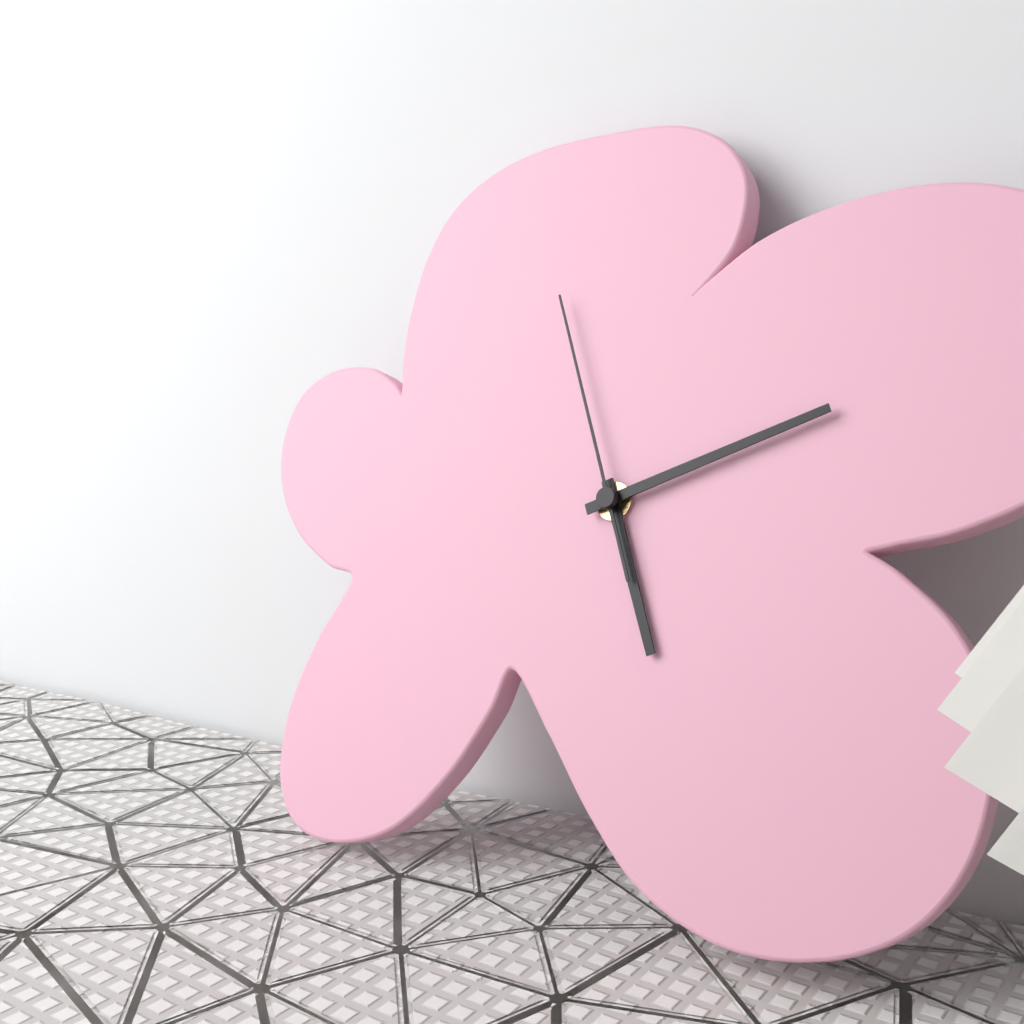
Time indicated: 5:11:56
